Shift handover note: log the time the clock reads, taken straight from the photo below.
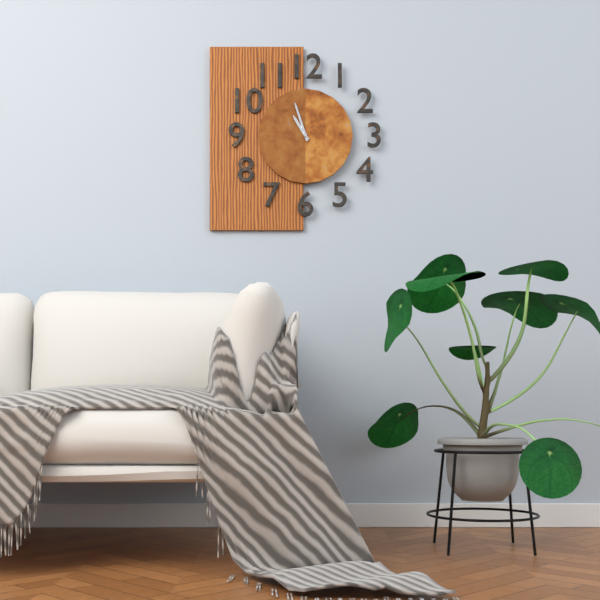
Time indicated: 10:57
